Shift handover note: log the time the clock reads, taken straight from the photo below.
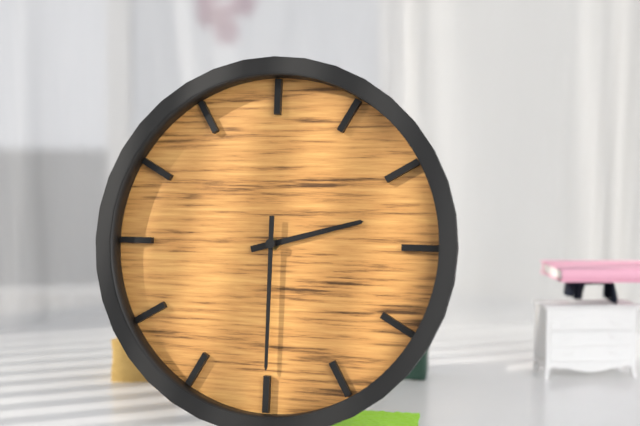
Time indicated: 2:30
